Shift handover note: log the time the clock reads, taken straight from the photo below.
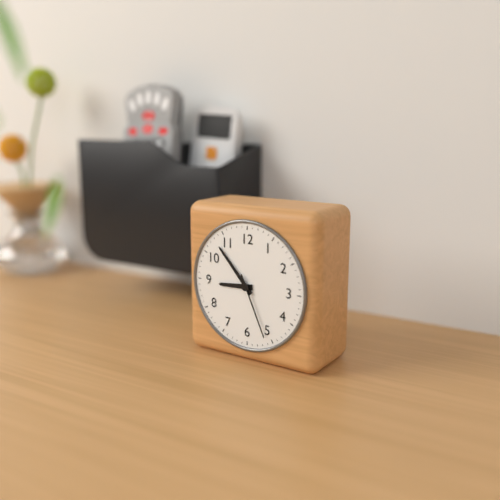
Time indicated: 8:53:26
